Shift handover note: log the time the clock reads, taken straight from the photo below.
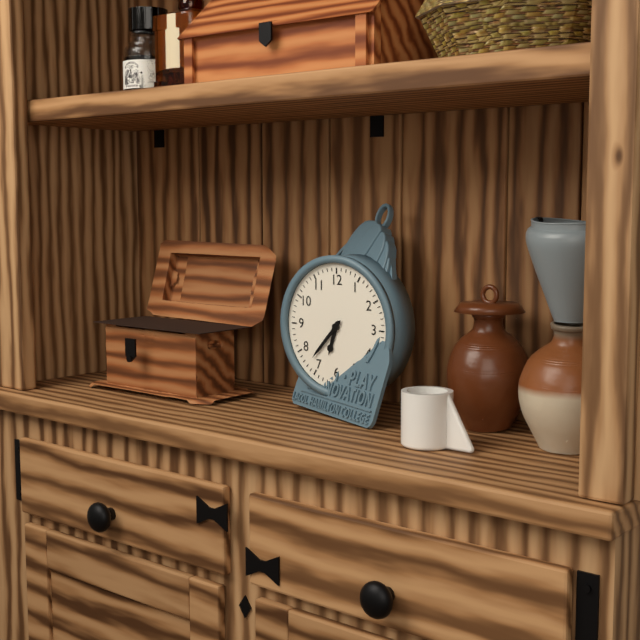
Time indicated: 6:37
